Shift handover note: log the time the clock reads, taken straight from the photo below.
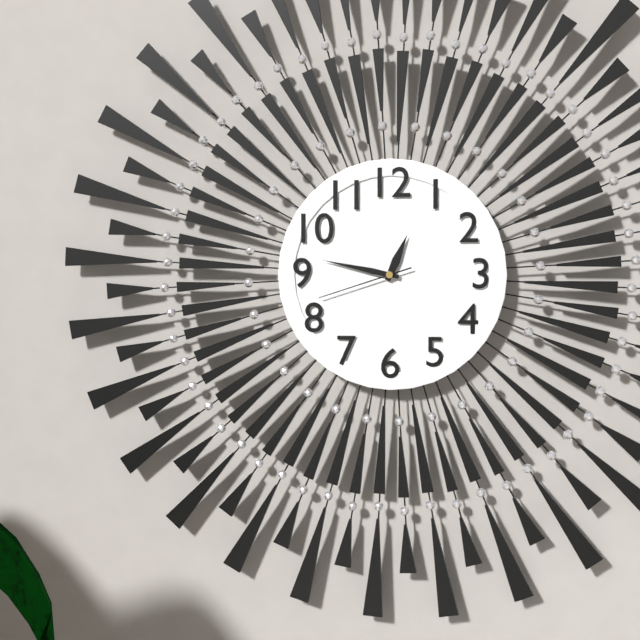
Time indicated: 12:47:42
